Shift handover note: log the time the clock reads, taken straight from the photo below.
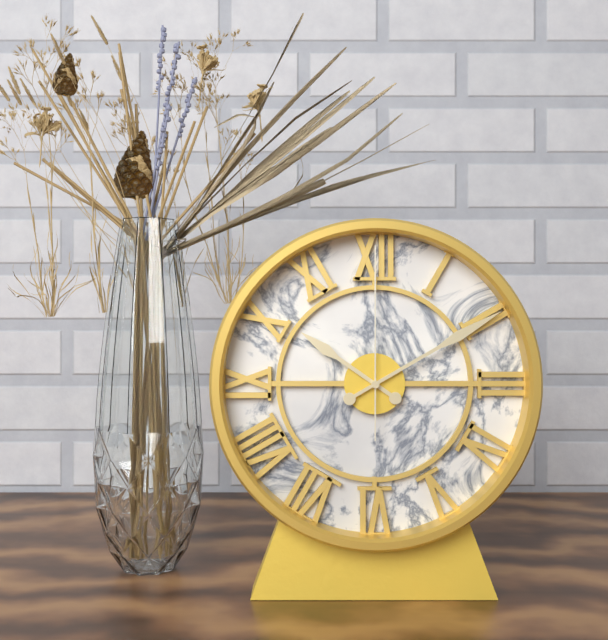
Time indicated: 10:10:00
